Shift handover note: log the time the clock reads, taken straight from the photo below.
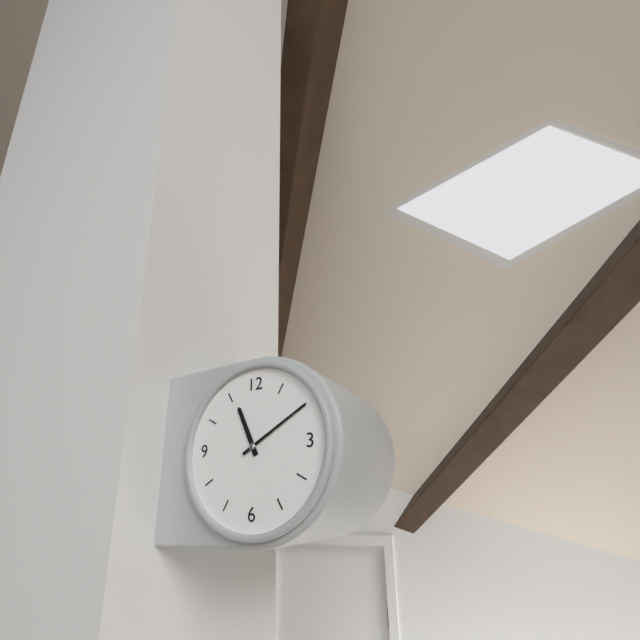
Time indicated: 11:10
